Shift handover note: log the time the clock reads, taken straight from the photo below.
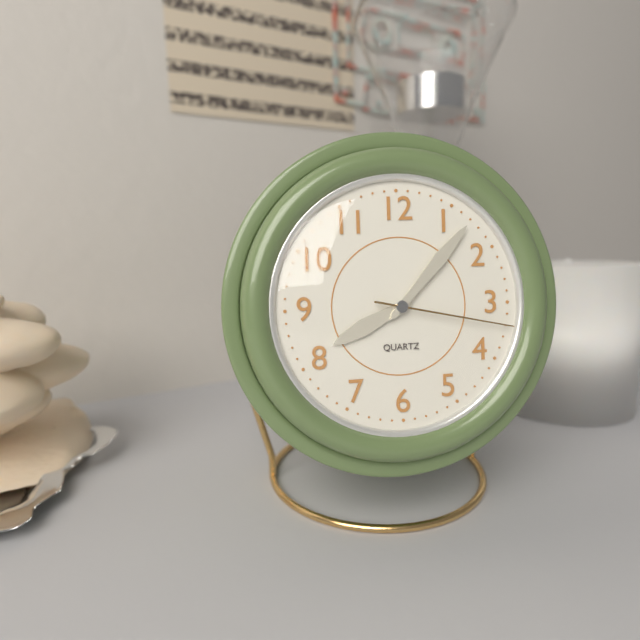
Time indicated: 8:07:17
